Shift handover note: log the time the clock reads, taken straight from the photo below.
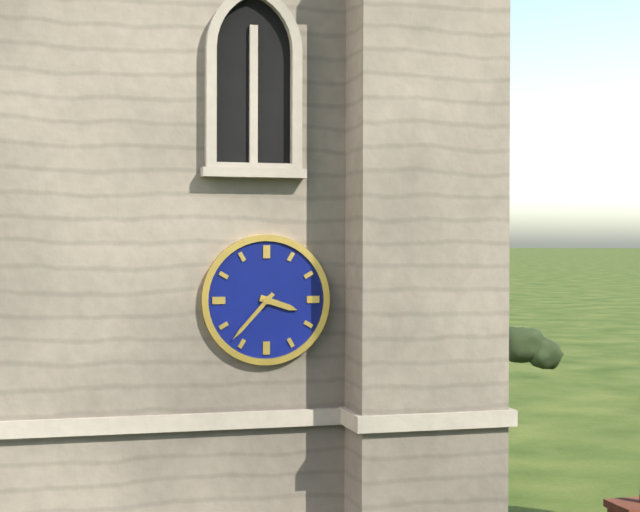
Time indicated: 3:37
